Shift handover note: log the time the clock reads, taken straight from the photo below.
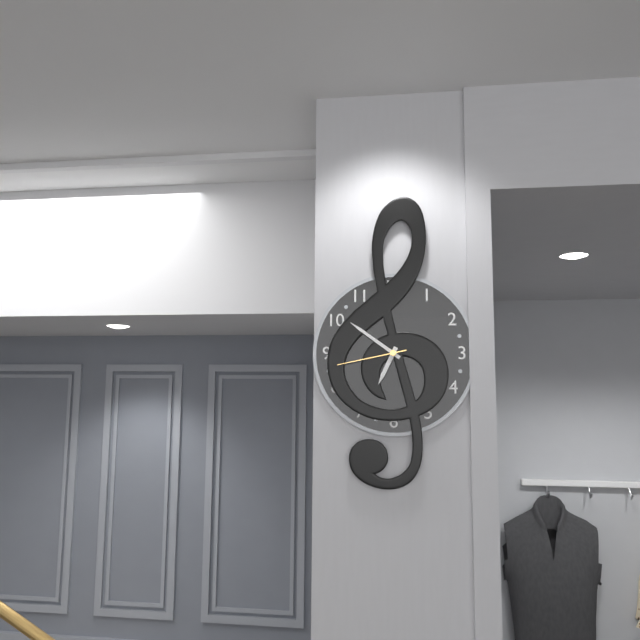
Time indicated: 6:51:43
